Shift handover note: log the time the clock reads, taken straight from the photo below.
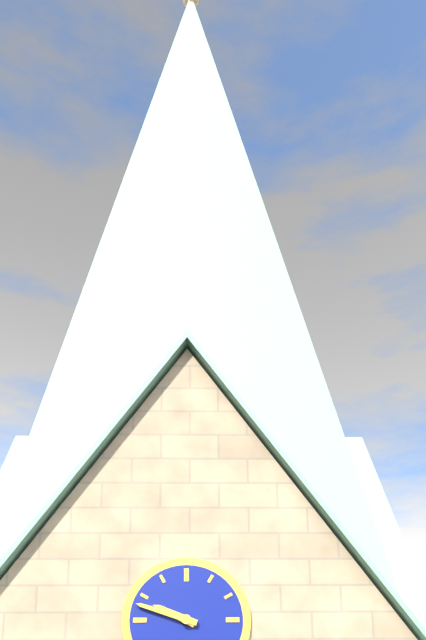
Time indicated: 9:48
